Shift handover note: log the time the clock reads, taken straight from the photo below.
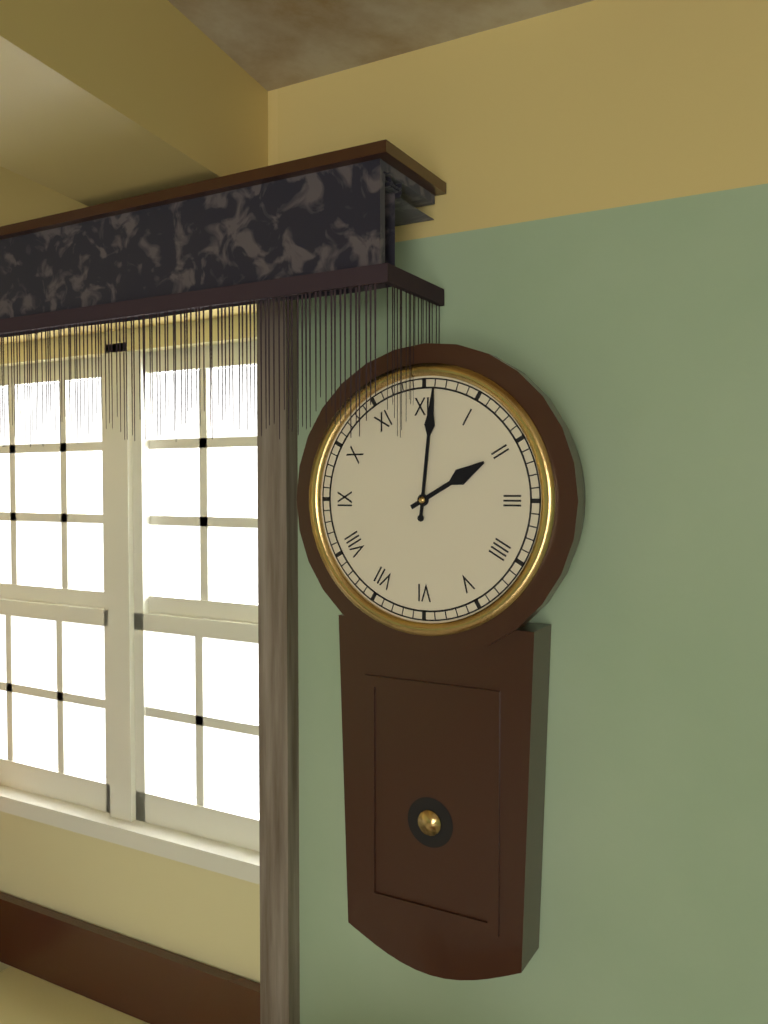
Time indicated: 2:01
